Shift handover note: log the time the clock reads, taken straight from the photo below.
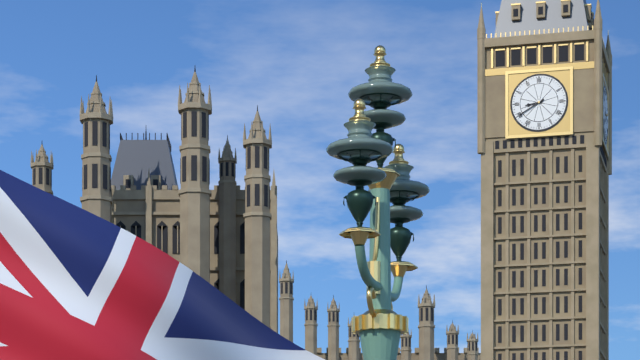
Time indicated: 8:40
